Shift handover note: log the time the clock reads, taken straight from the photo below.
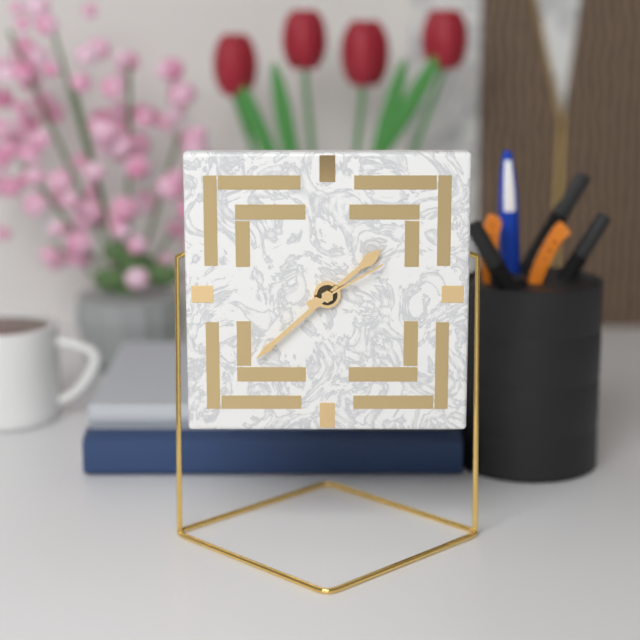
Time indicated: 1:38:10
